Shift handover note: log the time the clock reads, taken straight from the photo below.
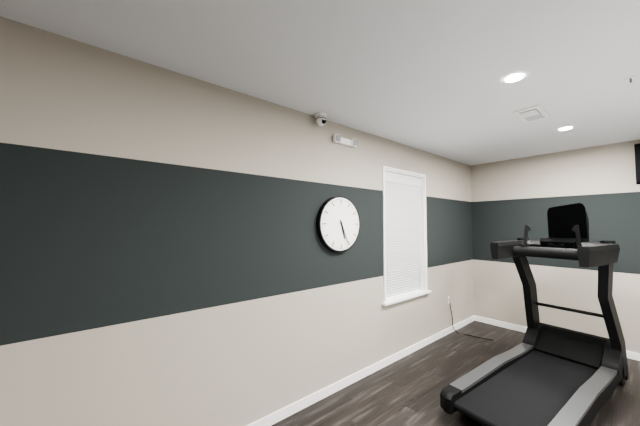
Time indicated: 5:26
